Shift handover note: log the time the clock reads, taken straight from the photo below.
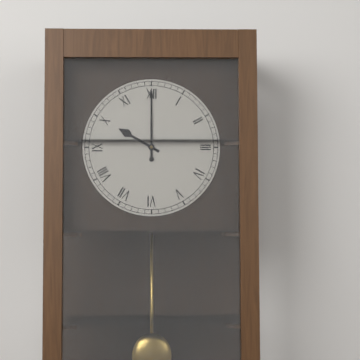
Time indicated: 10:00
